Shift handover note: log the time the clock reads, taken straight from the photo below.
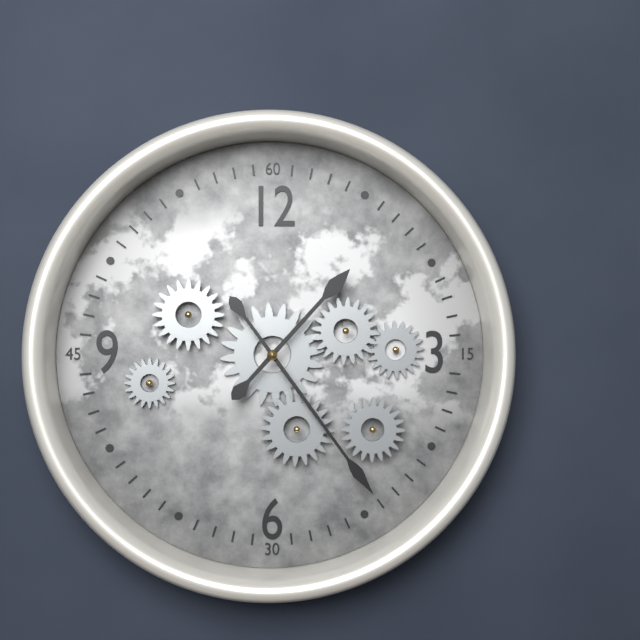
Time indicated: 1:24
